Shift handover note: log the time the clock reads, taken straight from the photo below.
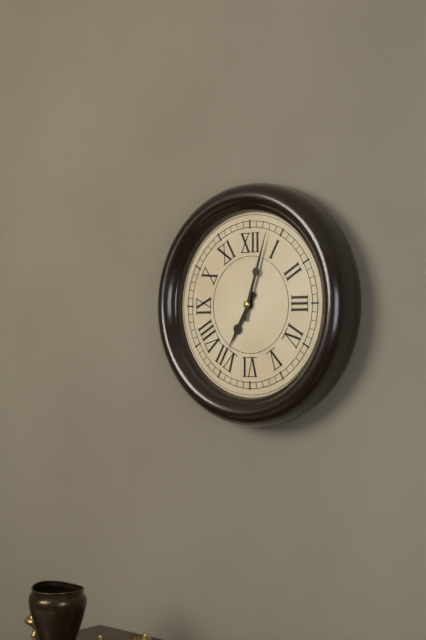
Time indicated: 7:03
